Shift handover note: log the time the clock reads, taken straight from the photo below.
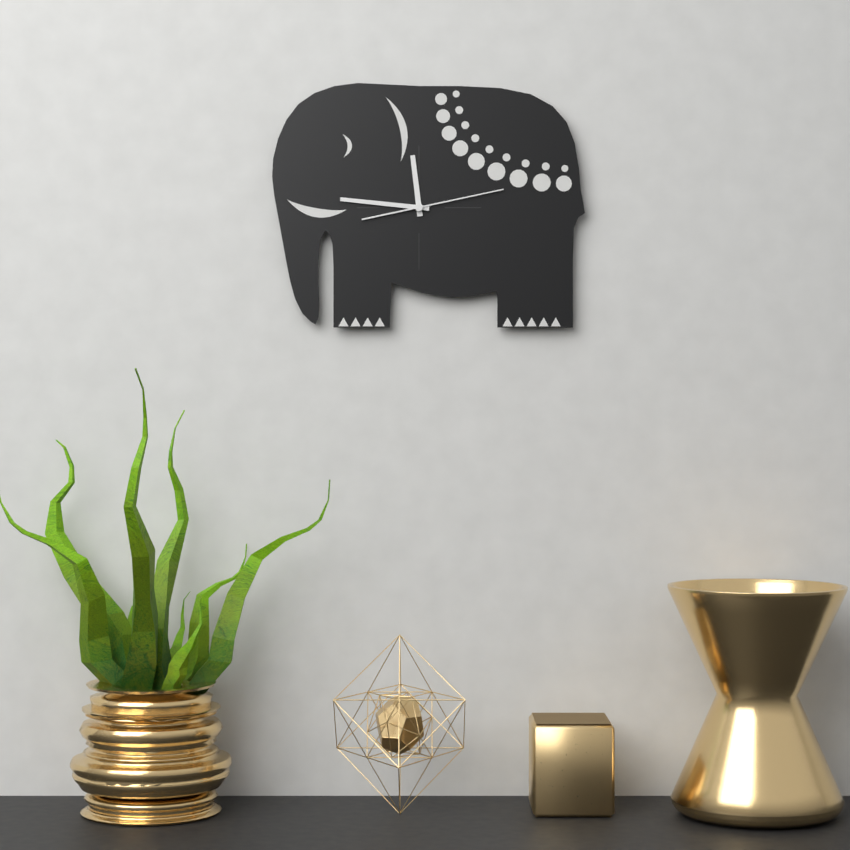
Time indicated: 11:46:13
